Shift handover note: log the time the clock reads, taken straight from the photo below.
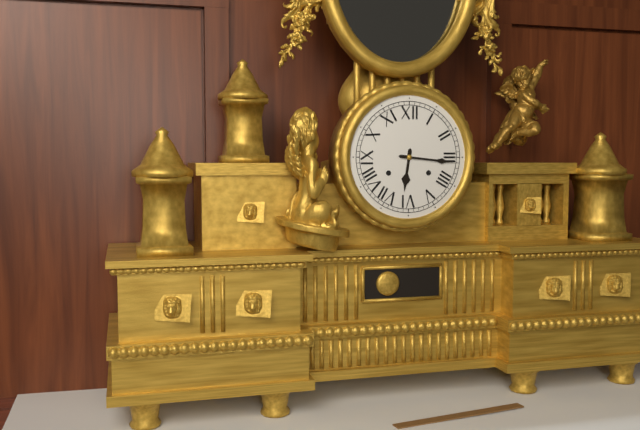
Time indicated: 6:16
